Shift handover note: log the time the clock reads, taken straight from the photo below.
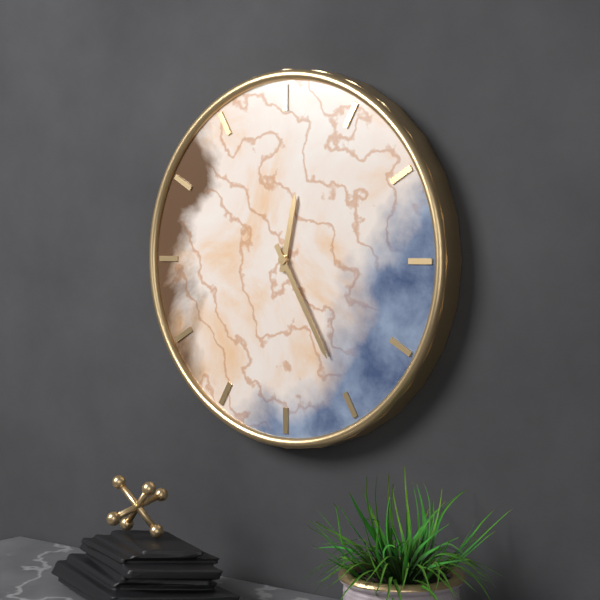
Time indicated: 12:25
